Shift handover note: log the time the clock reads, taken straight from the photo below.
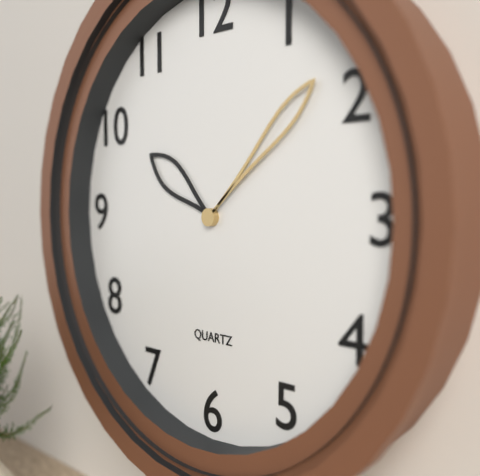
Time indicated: 10:08
